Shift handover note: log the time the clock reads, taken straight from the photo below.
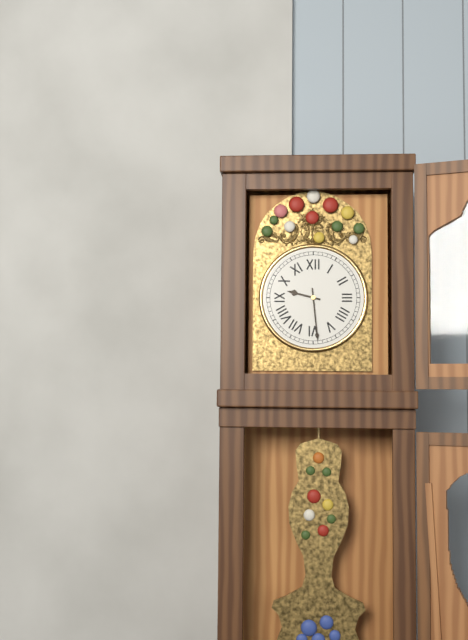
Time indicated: 9:29
